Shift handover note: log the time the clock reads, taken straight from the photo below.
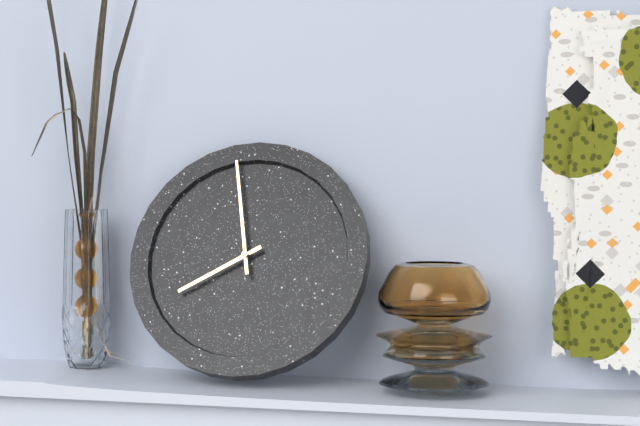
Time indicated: 7:58
